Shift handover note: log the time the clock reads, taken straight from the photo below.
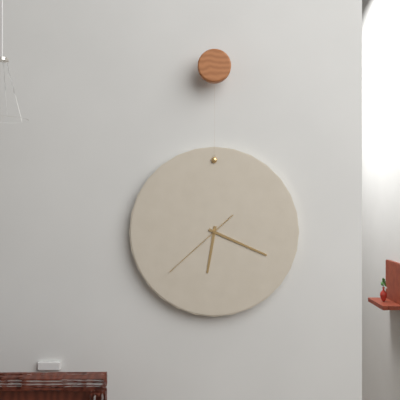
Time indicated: 6:19:38
